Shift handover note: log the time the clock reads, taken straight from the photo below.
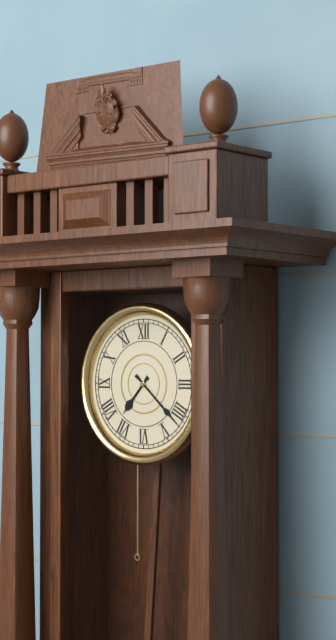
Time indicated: 7:22
